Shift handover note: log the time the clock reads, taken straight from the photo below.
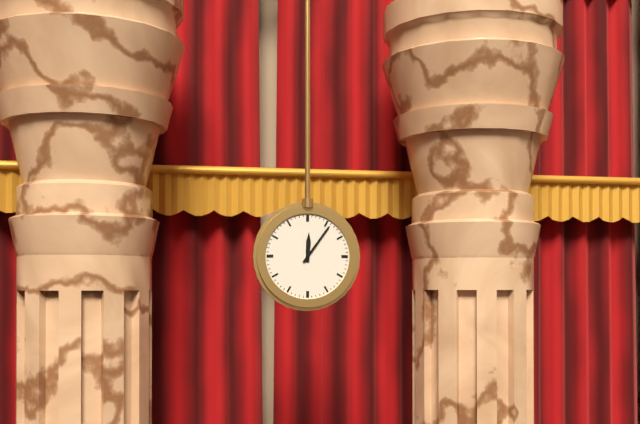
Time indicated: 12:06
